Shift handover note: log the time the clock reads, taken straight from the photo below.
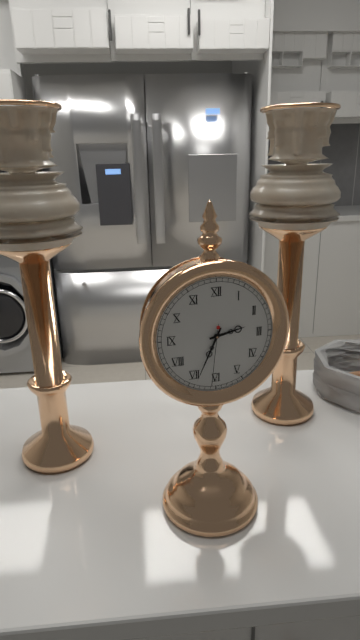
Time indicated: 2:34:31
